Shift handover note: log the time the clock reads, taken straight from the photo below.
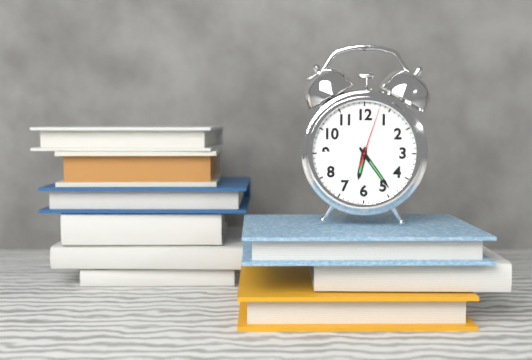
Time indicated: 6:24:03
